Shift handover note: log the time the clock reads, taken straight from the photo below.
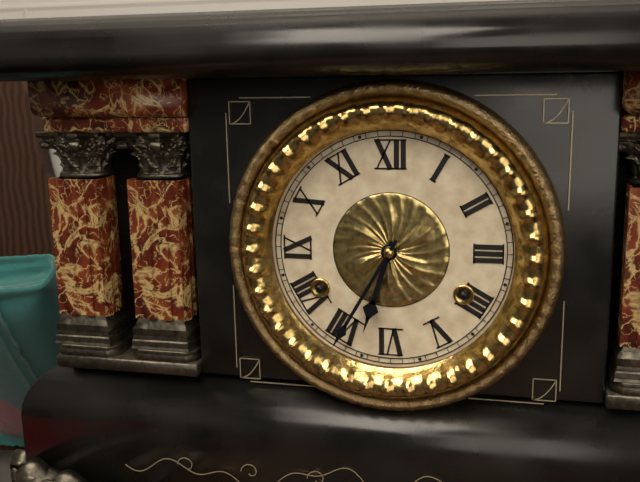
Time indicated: 6:35
